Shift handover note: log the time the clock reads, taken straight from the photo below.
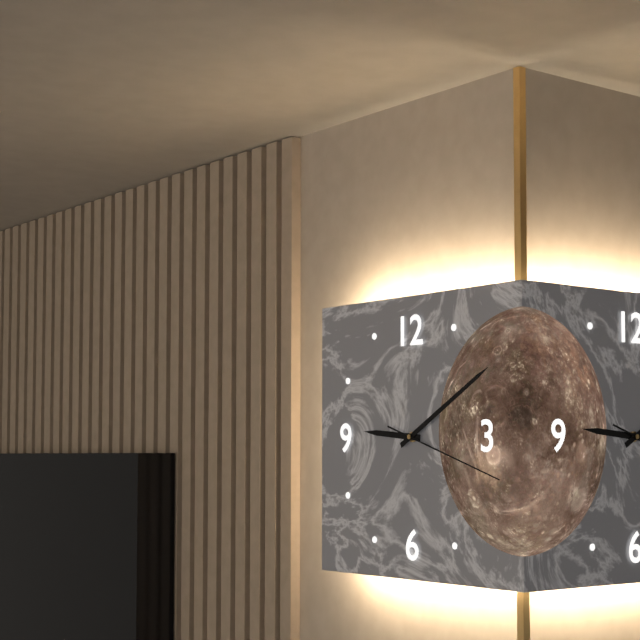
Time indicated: 9:10:18
